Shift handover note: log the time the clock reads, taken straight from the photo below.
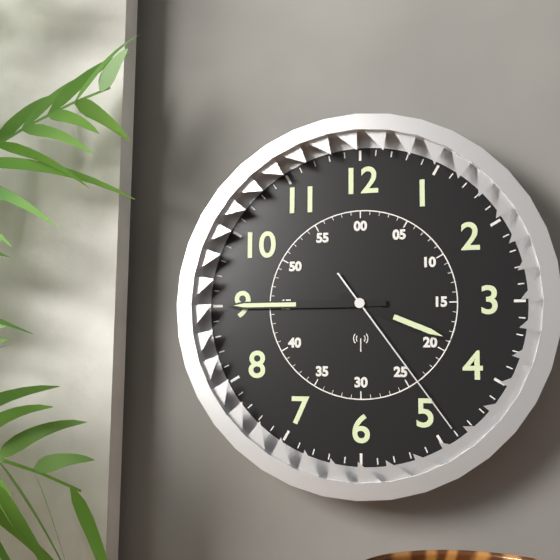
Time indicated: 3:45:24
